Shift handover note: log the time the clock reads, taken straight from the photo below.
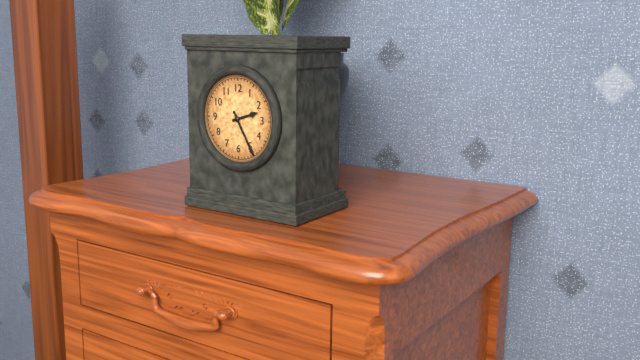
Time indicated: 2:25
